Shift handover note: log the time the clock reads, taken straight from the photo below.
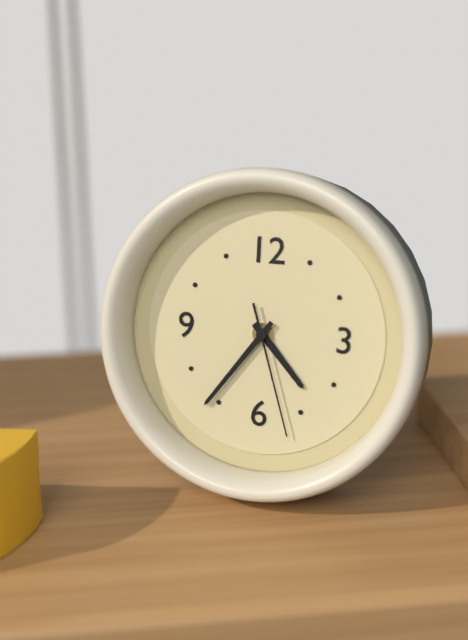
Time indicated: 4:36:27
